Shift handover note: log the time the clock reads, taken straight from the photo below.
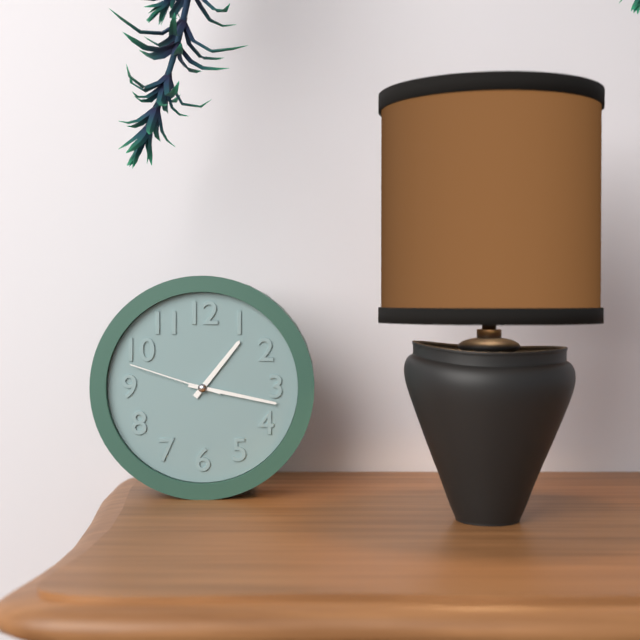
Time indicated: 1:17:48
